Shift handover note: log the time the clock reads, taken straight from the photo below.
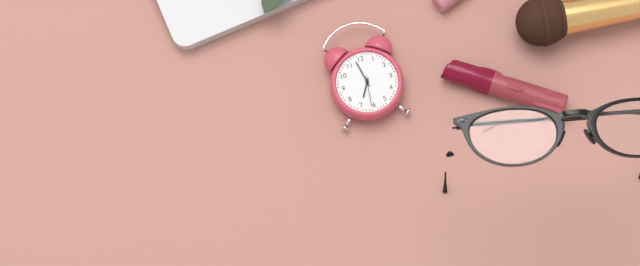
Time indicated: 6:58
